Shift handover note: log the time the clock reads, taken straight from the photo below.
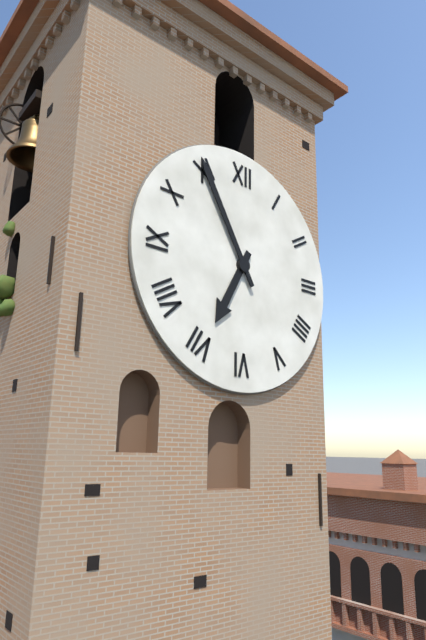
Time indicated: 6:55
